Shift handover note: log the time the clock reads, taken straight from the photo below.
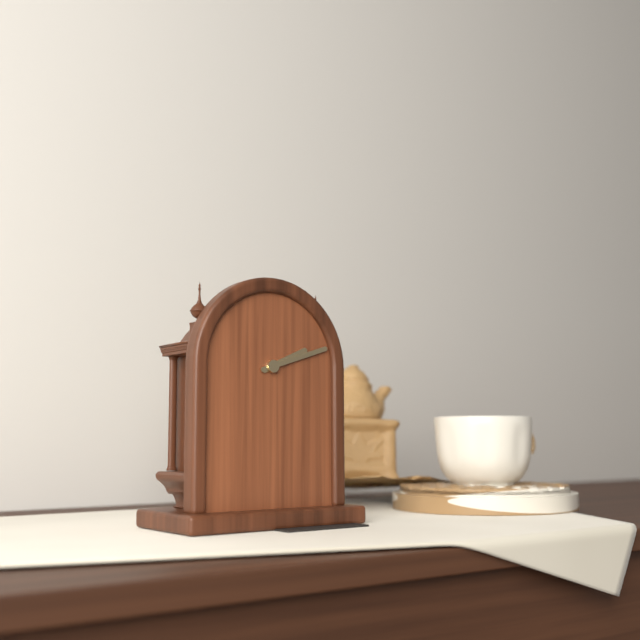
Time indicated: 2:12
